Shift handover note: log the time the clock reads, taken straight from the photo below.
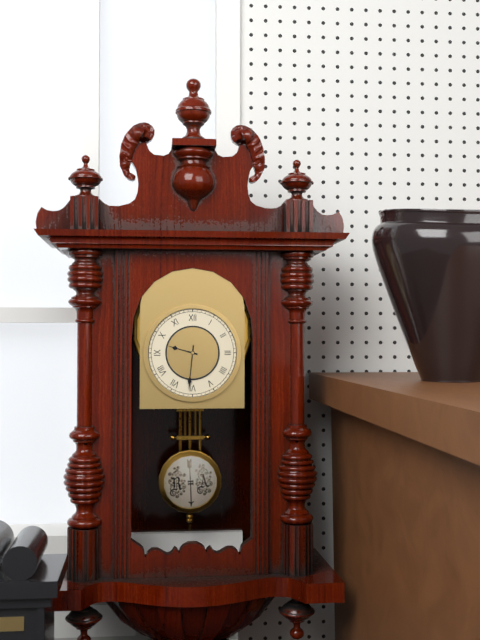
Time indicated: 9:31
